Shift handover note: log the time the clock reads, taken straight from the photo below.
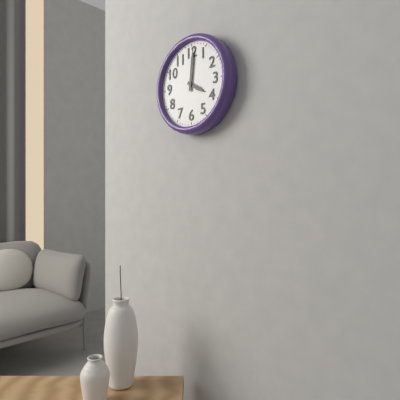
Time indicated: 4:01
